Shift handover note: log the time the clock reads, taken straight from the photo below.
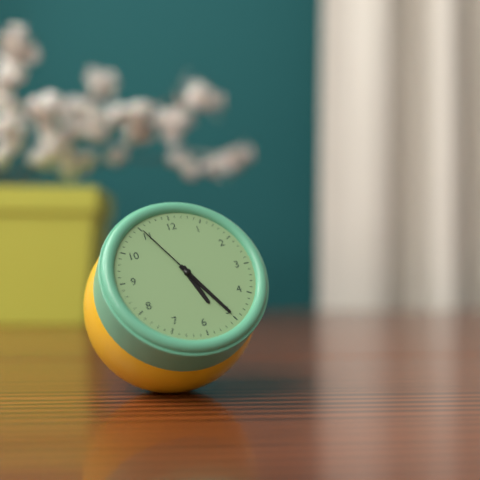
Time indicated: 5:25:55
